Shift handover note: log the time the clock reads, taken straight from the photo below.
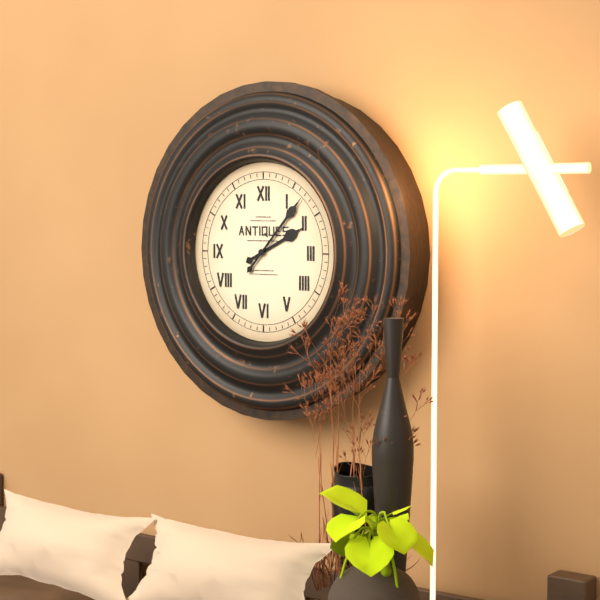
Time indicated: 2:07
